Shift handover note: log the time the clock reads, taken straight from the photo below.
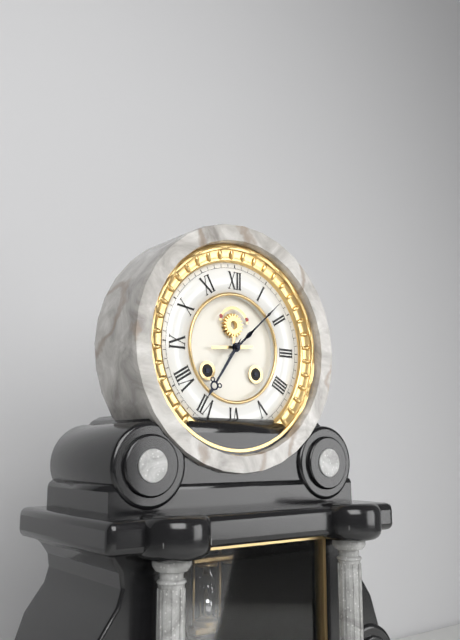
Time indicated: 7:08
